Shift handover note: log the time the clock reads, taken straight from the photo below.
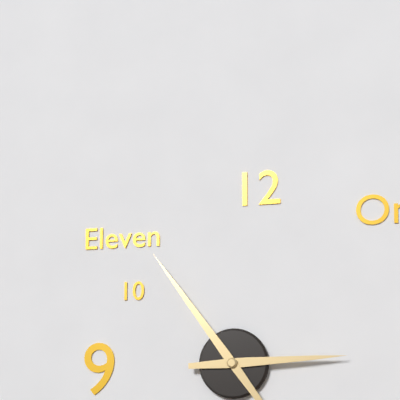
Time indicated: 2:54
